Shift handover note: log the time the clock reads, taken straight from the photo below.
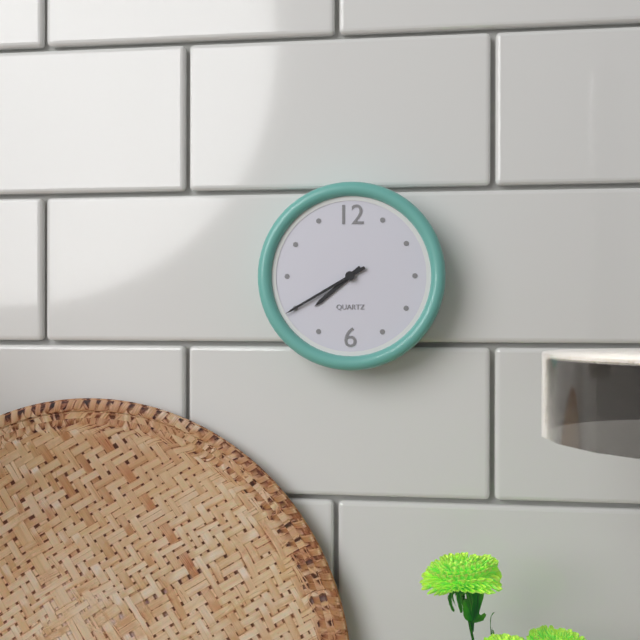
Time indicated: 7:40
